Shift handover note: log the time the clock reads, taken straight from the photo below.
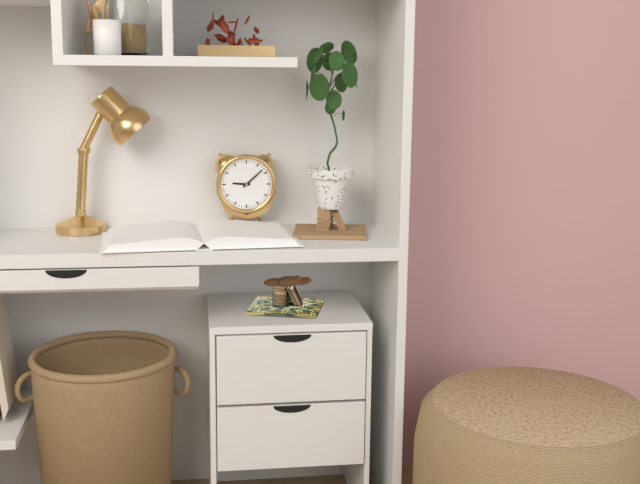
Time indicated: 9:08
